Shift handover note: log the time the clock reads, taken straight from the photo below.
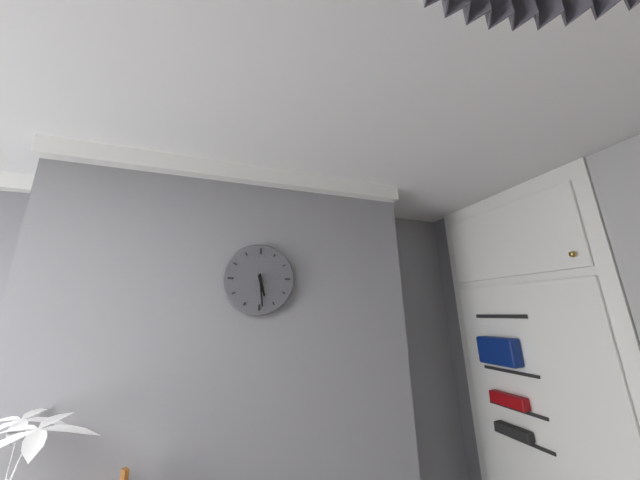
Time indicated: 5:29
